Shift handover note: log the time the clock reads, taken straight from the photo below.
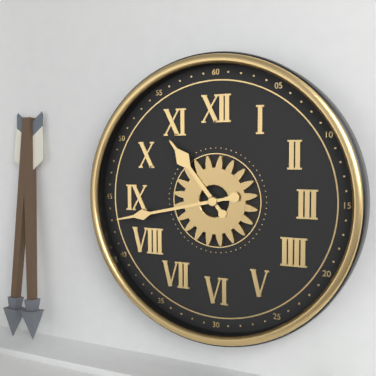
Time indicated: 10:43
